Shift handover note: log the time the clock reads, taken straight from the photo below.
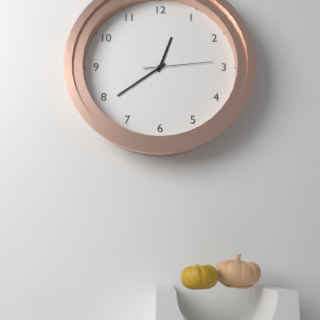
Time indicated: 12:39:14
